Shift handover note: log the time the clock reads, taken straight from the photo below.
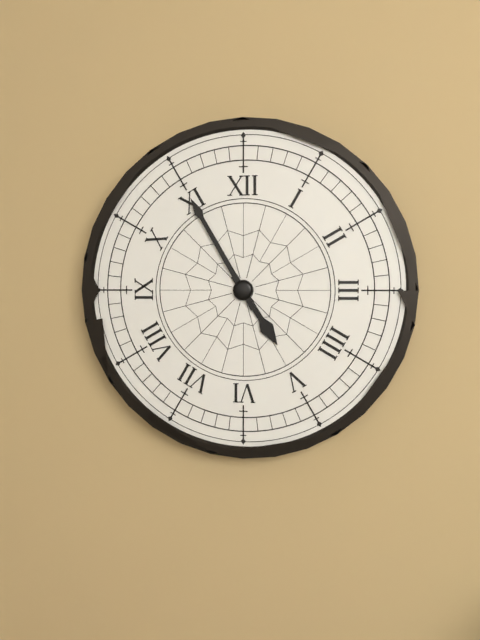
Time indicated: 4:55
